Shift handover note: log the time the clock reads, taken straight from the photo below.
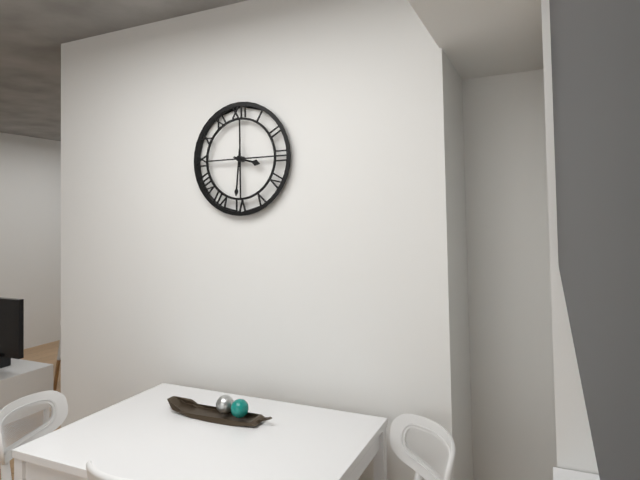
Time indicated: 3:31
